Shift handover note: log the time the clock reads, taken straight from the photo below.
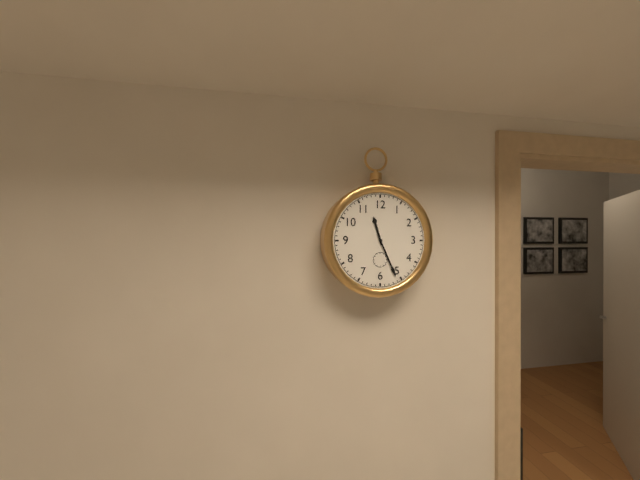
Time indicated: 11:26
